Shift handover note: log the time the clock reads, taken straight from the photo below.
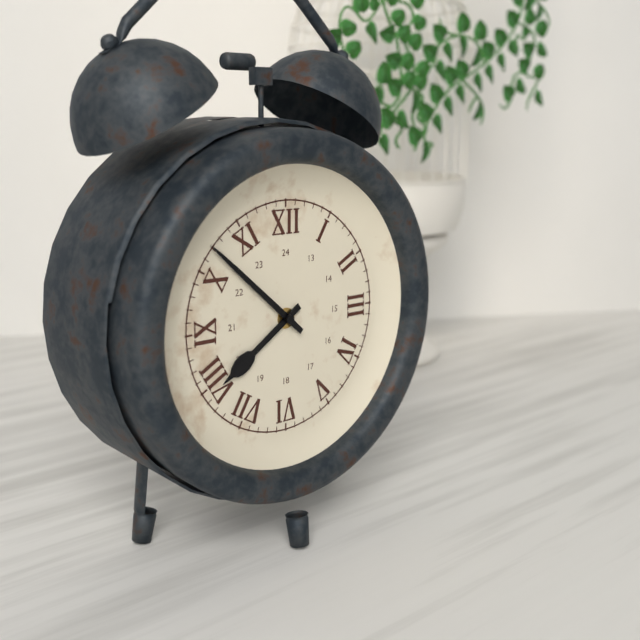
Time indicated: 7:52
